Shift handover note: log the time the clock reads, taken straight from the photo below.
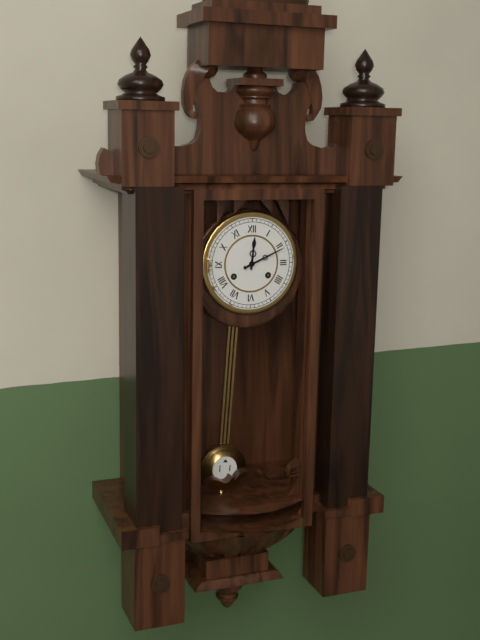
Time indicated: 12:11
